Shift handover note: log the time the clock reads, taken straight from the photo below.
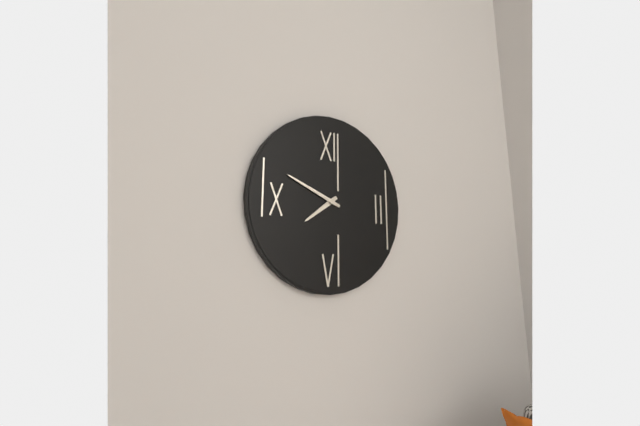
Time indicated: 7:49
